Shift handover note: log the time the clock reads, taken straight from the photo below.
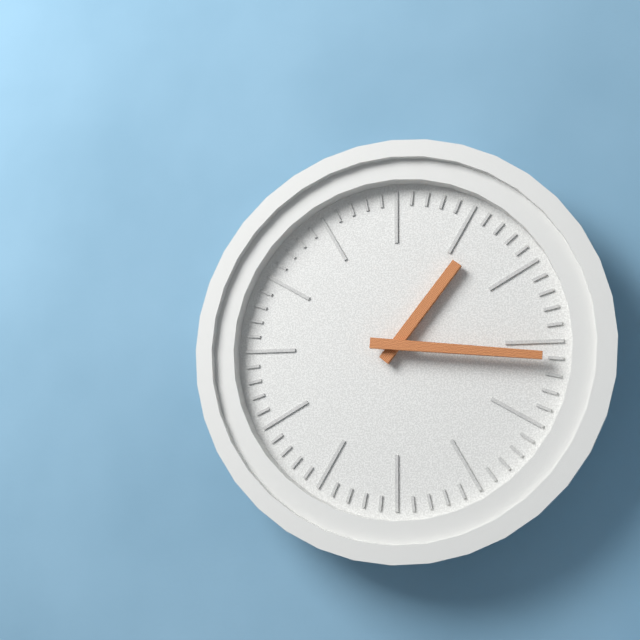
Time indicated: 1:16
